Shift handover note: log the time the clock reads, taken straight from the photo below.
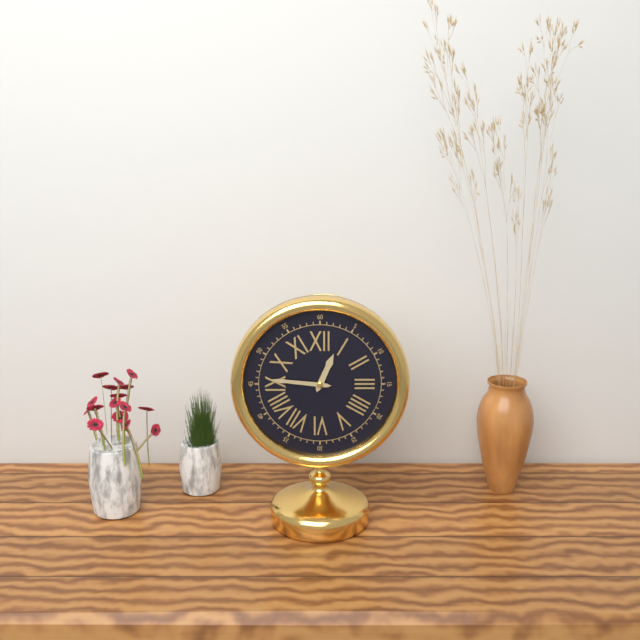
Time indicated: 12:46
